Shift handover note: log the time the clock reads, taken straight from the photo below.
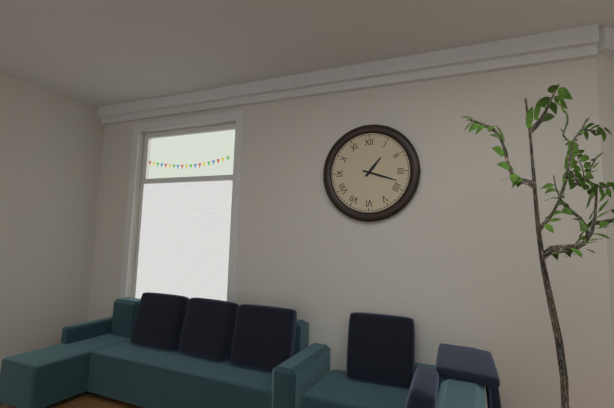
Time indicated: 1:18
